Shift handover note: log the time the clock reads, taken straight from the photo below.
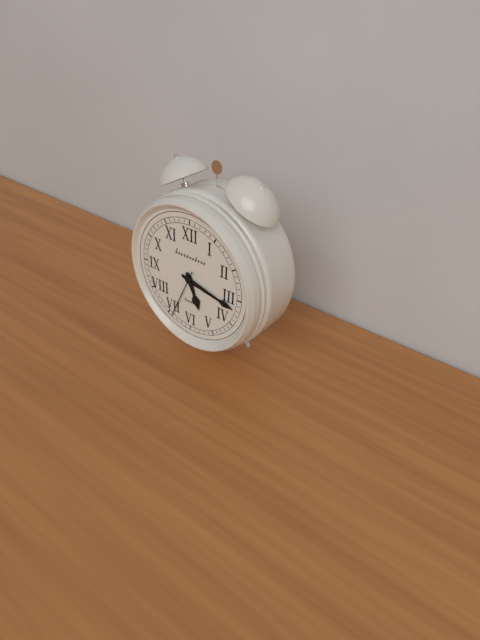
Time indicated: 5:17:34
